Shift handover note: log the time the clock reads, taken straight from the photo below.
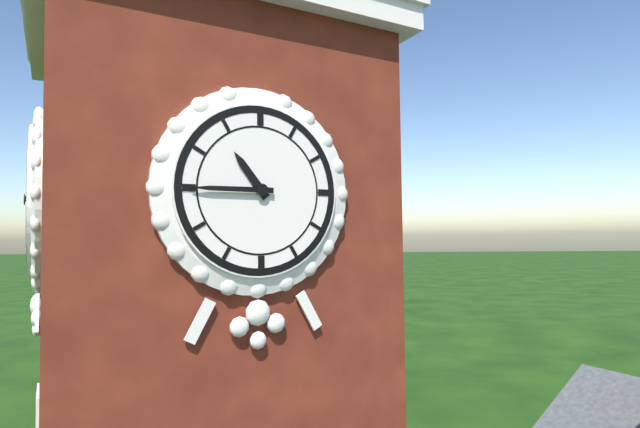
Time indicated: 10:45
